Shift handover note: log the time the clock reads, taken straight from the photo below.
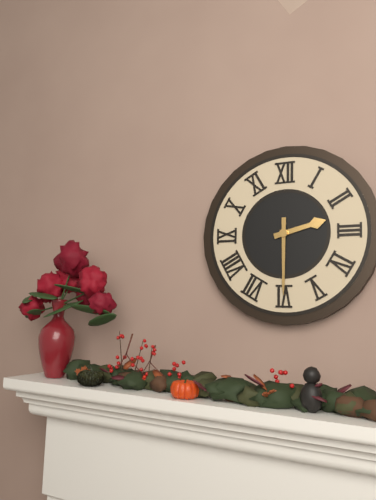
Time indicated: 2:30
